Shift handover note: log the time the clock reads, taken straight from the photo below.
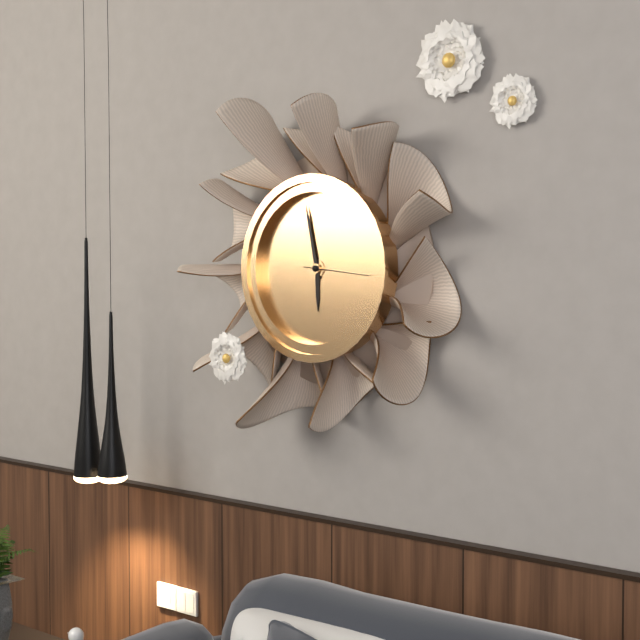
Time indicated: 5:58:16
